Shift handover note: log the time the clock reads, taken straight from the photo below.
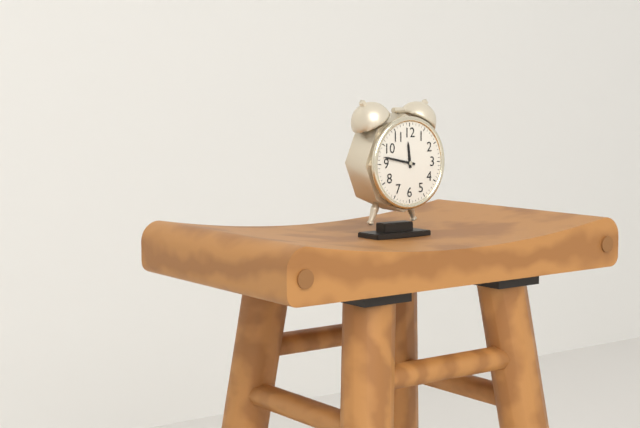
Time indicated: 11:47
